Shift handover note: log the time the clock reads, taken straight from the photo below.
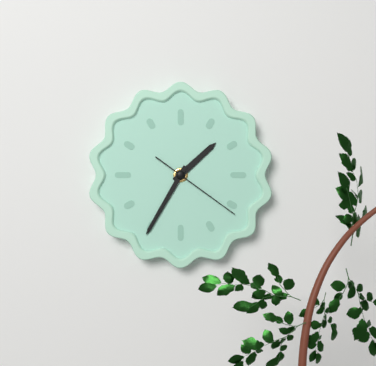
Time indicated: 1:35:21
